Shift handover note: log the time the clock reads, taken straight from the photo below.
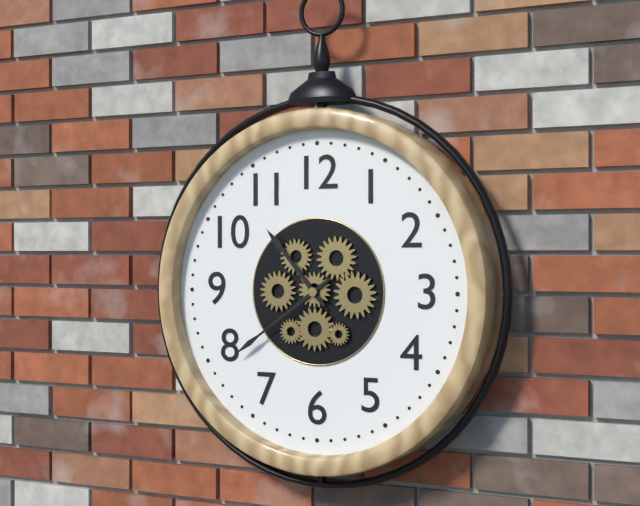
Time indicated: 10:39
